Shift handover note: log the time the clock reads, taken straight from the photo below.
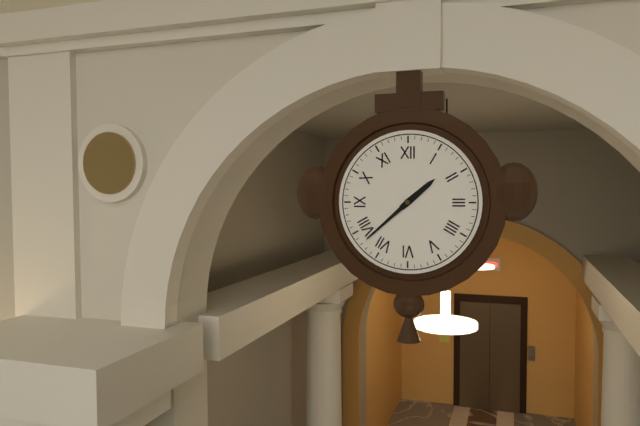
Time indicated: 1:38
